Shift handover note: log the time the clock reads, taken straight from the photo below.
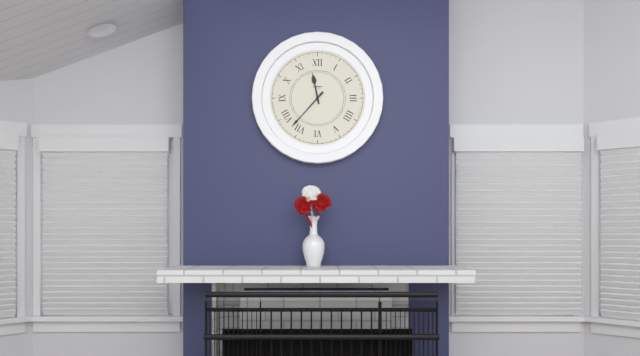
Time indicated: 11:37
